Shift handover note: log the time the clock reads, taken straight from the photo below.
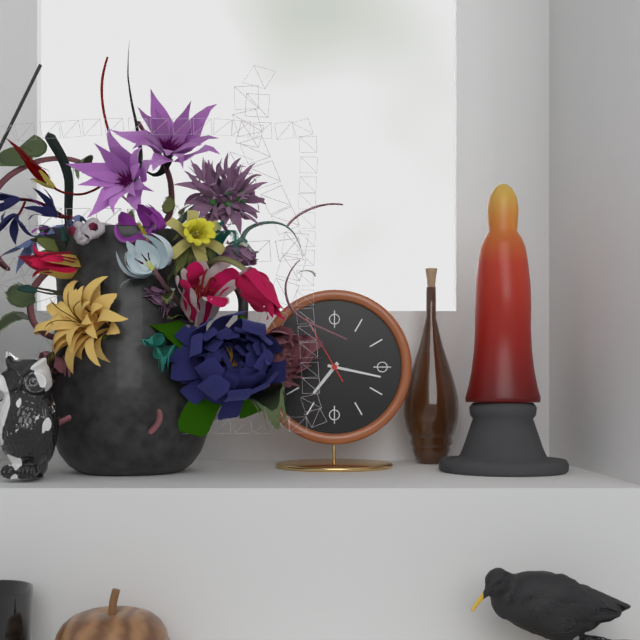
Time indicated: 7:17:55
